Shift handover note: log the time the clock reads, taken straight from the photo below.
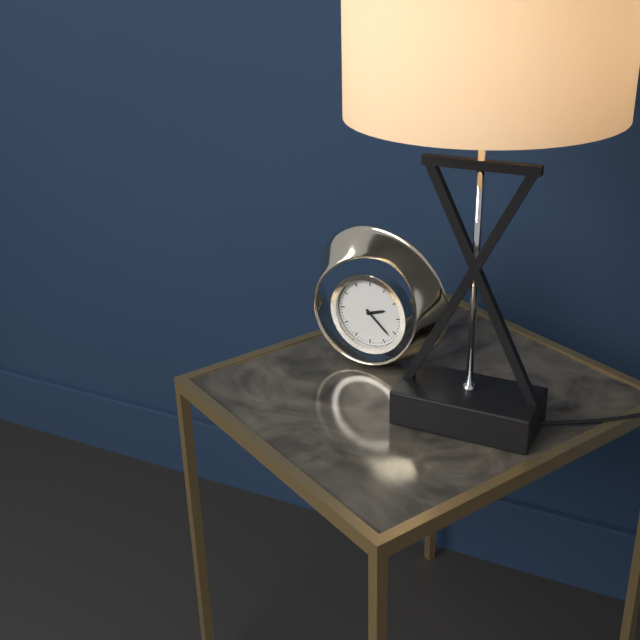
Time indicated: 2:22
